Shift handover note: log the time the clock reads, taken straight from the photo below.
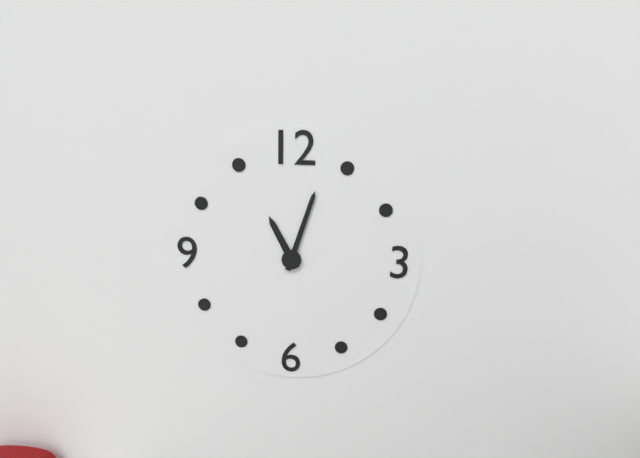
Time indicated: 11:03
